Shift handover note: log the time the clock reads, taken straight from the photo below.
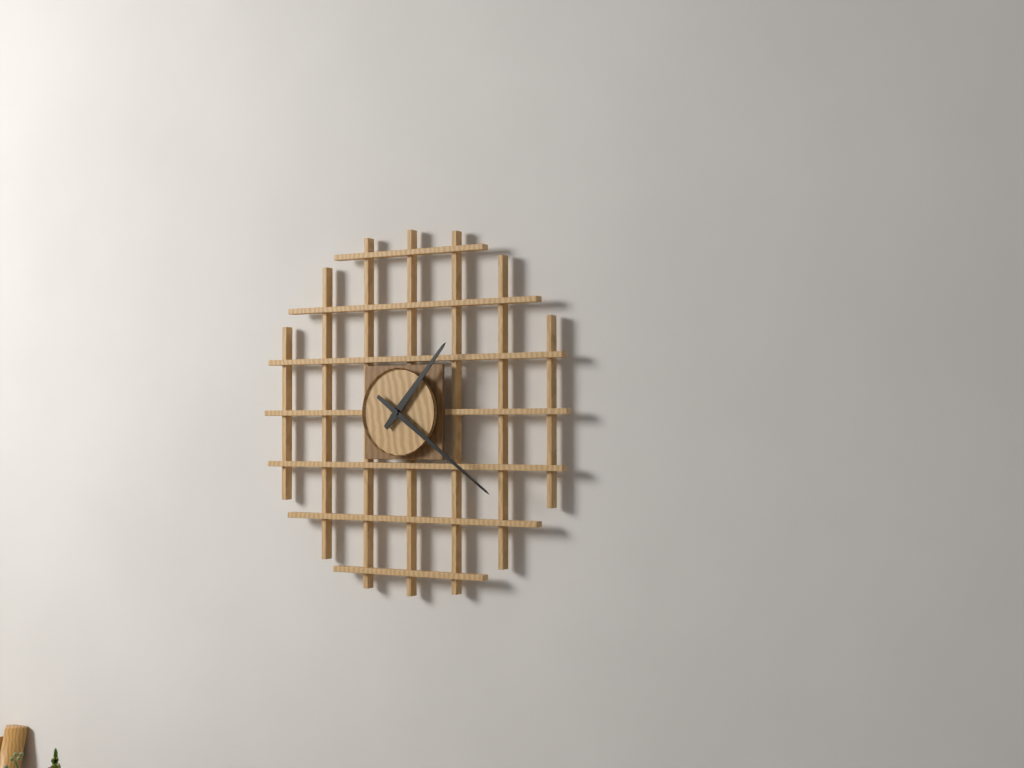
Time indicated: 1:21
